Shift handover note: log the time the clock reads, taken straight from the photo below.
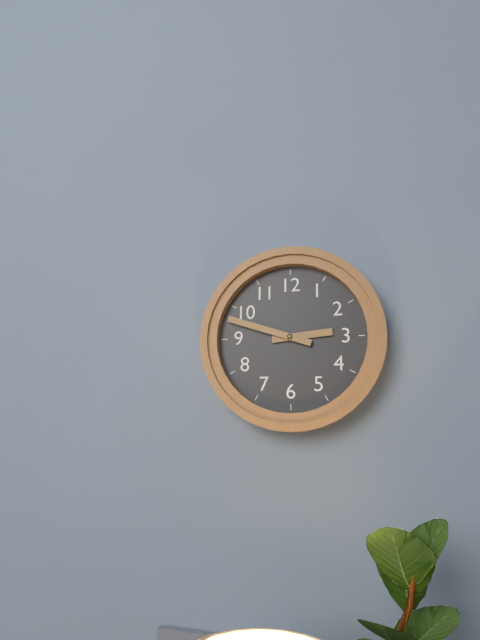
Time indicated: 2:48
